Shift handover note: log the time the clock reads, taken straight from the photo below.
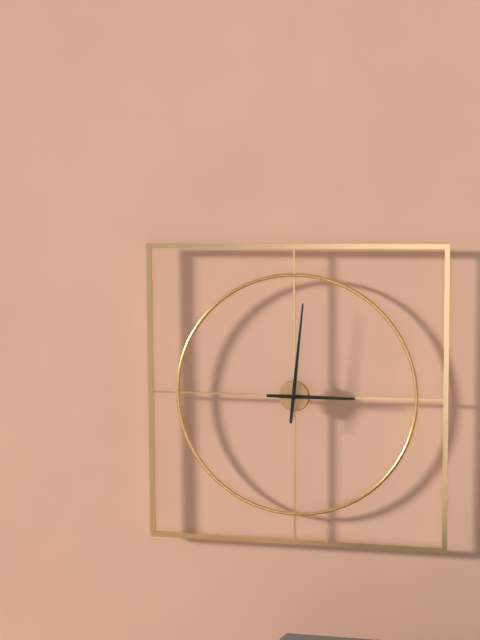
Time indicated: 3:01
